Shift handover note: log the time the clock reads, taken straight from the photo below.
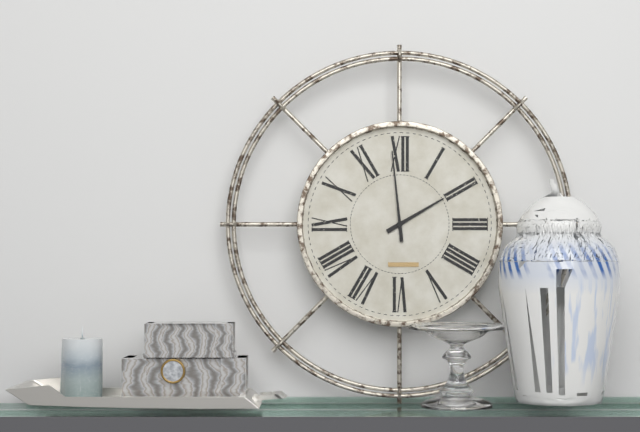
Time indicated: 1:59
